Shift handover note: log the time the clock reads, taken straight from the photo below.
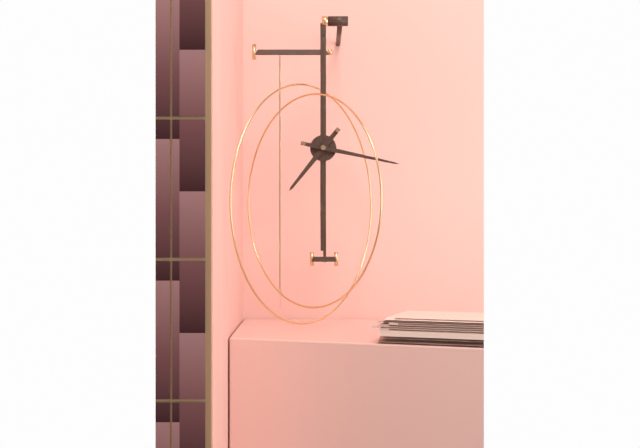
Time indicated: 7:17
